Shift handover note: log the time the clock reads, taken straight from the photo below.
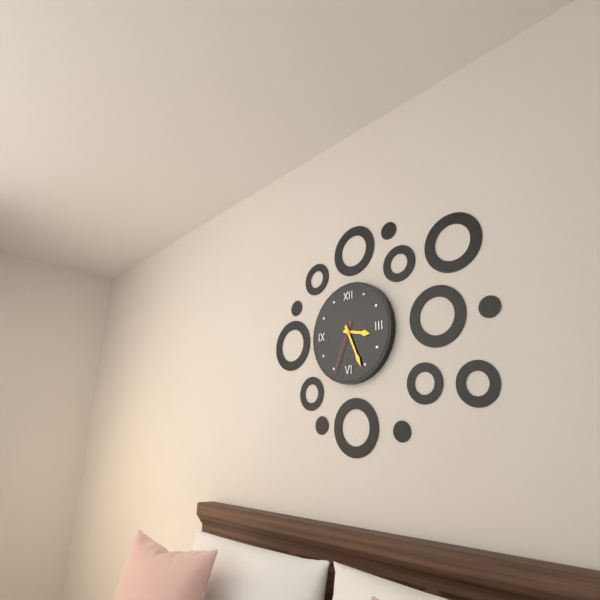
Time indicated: 3:26:34
